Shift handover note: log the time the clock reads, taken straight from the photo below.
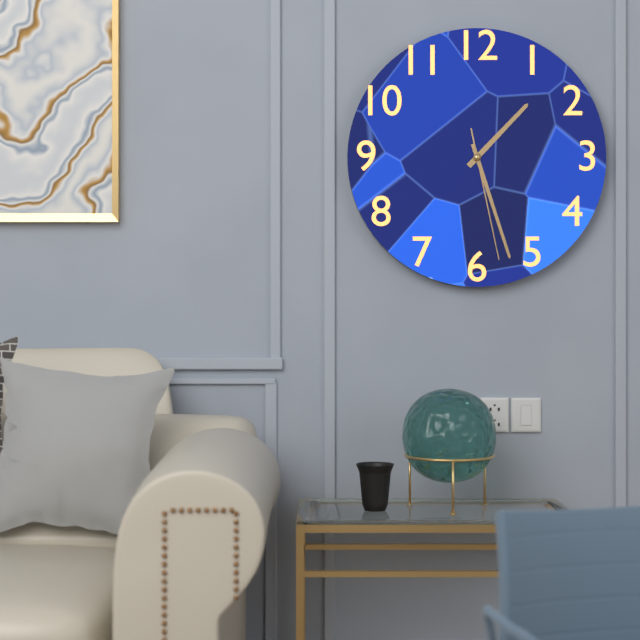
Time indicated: 1:27:28
